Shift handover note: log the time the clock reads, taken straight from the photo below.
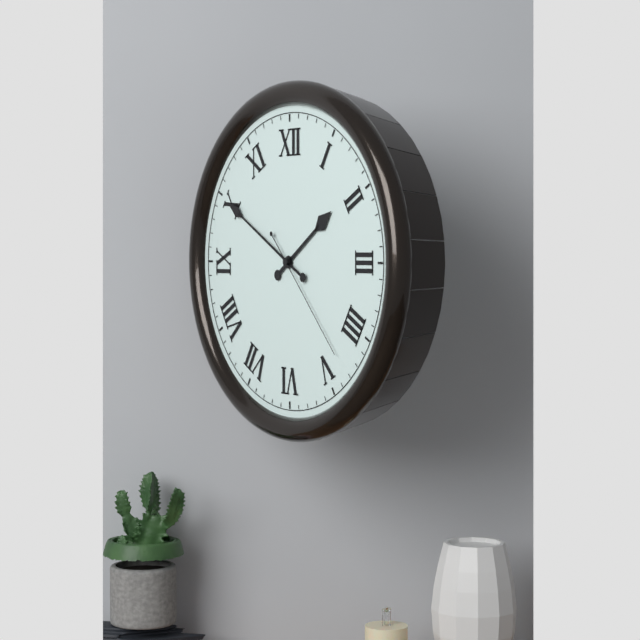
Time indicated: 1:50:23
